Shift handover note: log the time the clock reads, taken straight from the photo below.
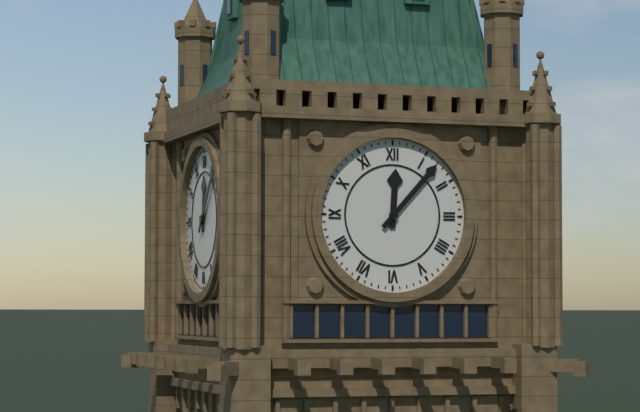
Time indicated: 12:07
